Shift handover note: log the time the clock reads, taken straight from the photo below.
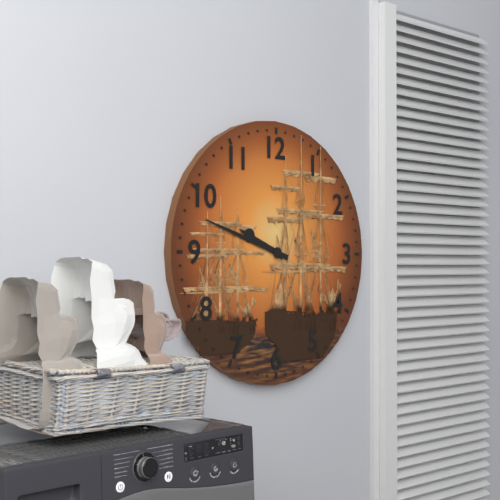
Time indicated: 9:48
